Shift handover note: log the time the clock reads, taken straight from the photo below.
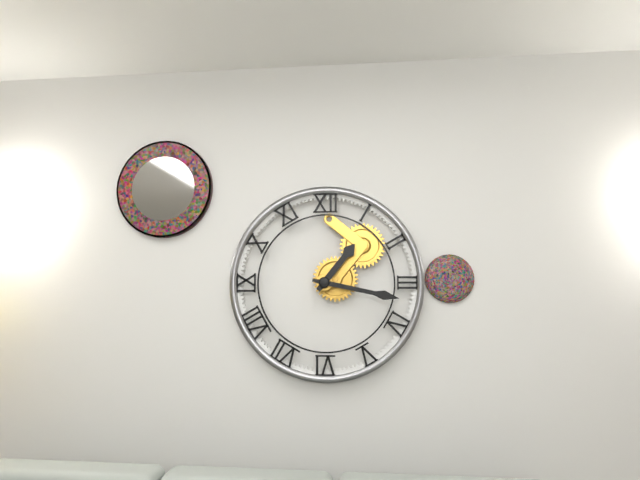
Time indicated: 1:17
